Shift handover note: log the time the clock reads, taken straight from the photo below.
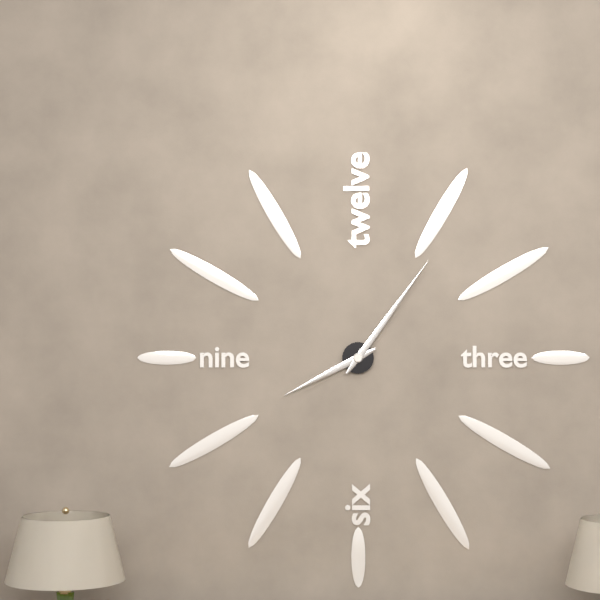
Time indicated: 8:06
